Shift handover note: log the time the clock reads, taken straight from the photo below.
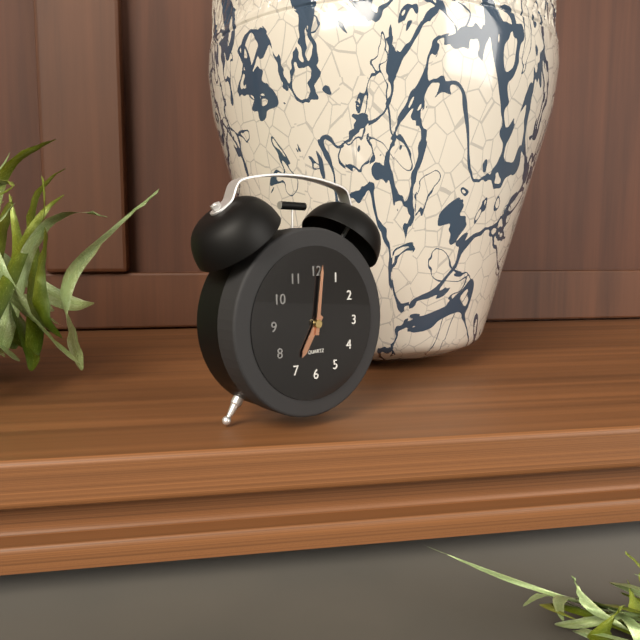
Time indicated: 7:01
